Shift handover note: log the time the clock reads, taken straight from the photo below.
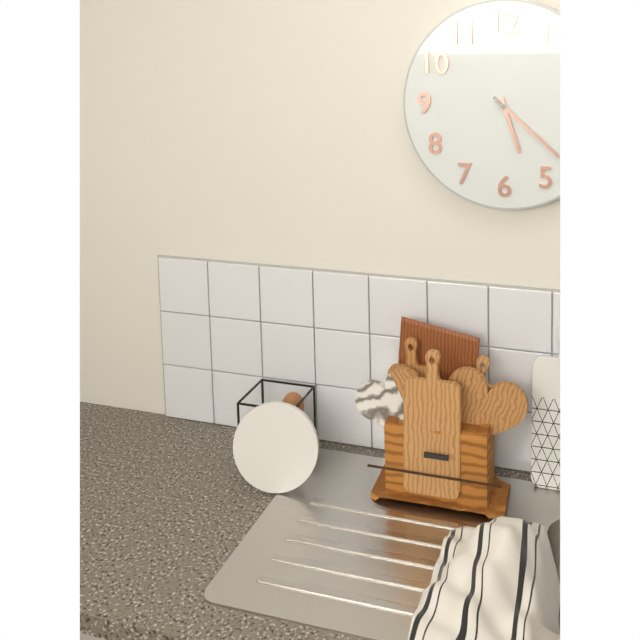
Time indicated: 5:22
